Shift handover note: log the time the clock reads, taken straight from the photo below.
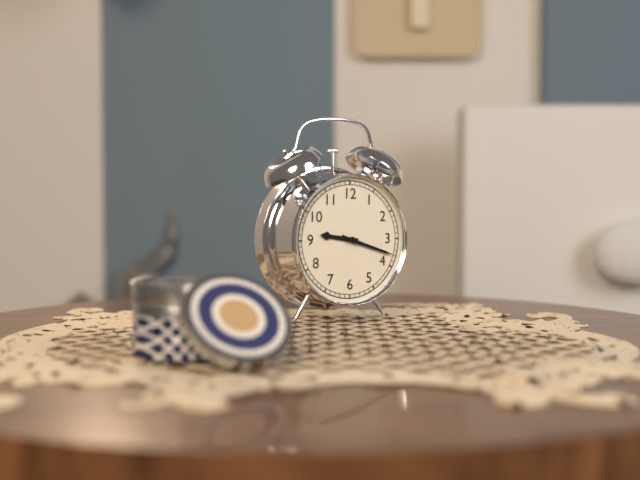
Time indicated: 9:18
